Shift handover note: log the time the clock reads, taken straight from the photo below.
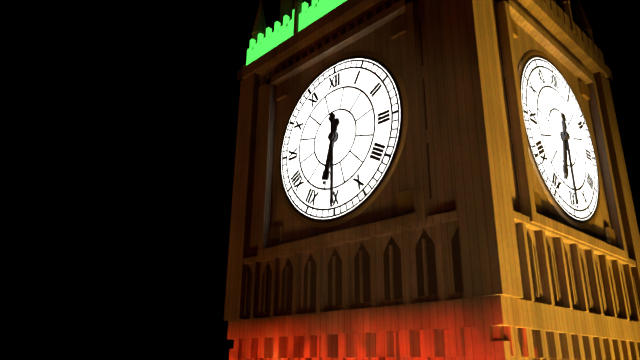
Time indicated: 6:30
